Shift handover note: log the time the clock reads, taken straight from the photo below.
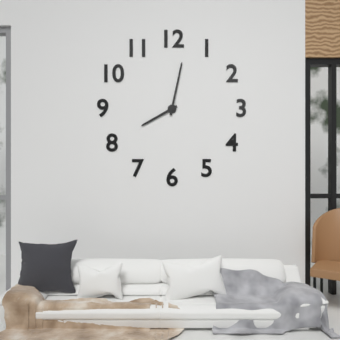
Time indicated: 8:02
